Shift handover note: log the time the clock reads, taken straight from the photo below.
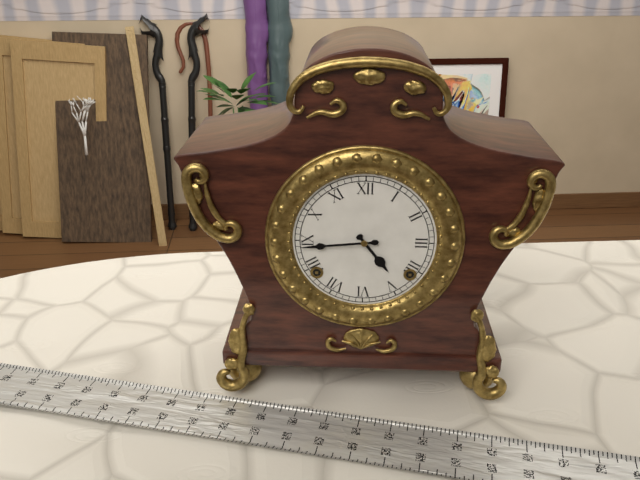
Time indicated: 4:44
